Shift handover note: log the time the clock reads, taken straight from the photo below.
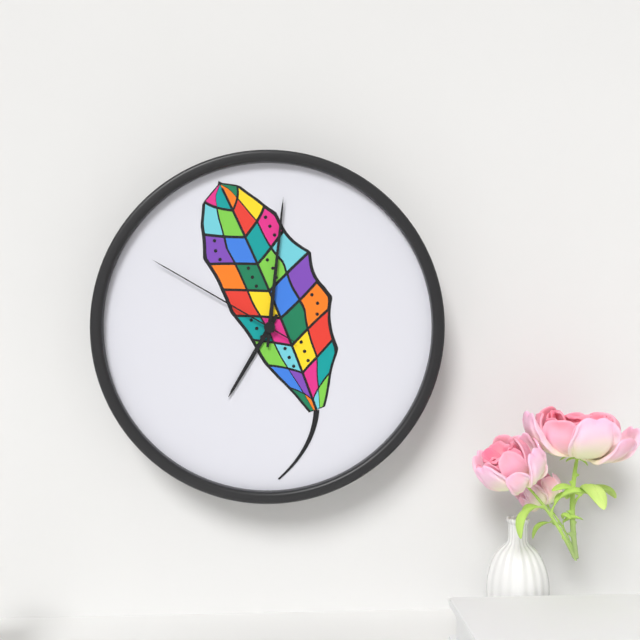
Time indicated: 7:01:50
